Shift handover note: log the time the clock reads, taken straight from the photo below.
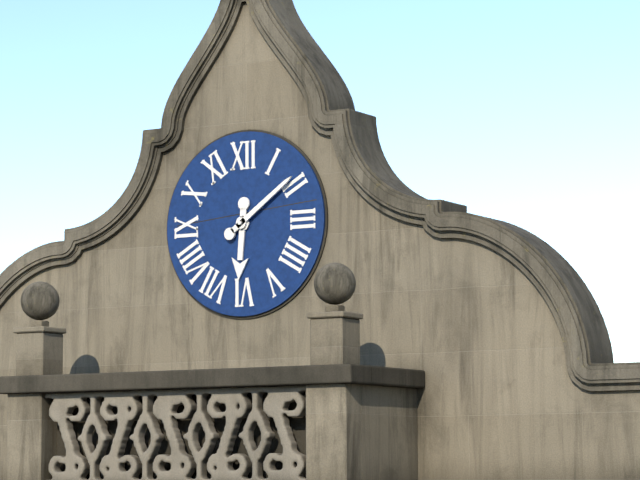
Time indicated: 6:09
